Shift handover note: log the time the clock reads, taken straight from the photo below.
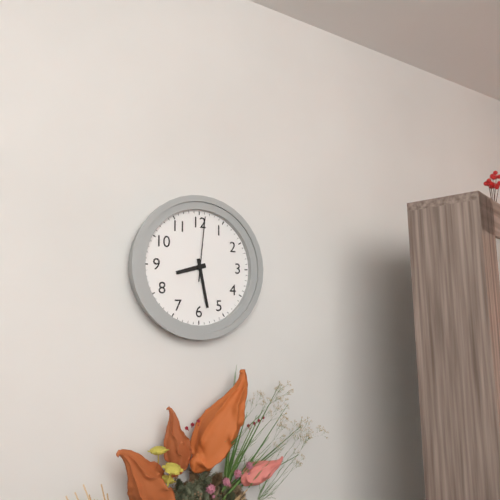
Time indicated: 8:28:01
